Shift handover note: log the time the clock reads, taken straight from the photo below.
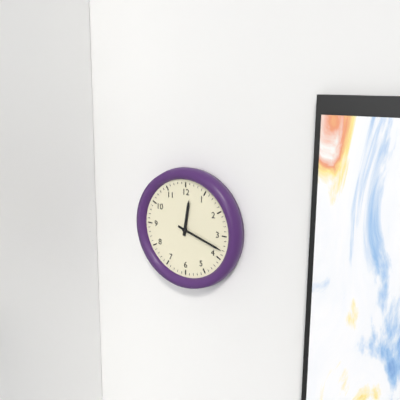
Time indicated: 12:18
